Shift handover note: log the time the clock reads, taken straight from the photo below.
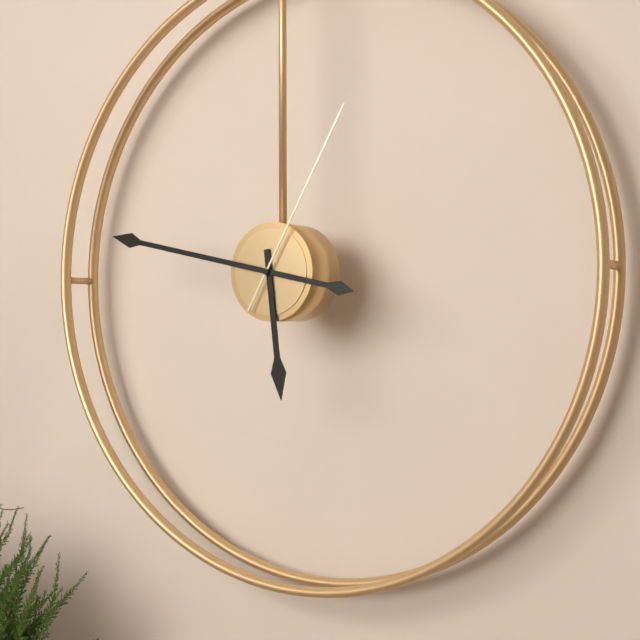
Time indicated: 5:47:05
